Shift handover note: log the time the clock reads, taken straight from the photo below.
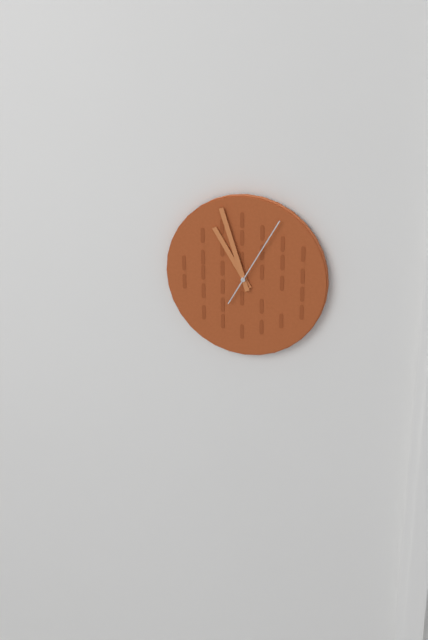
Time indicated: 10:57:05
